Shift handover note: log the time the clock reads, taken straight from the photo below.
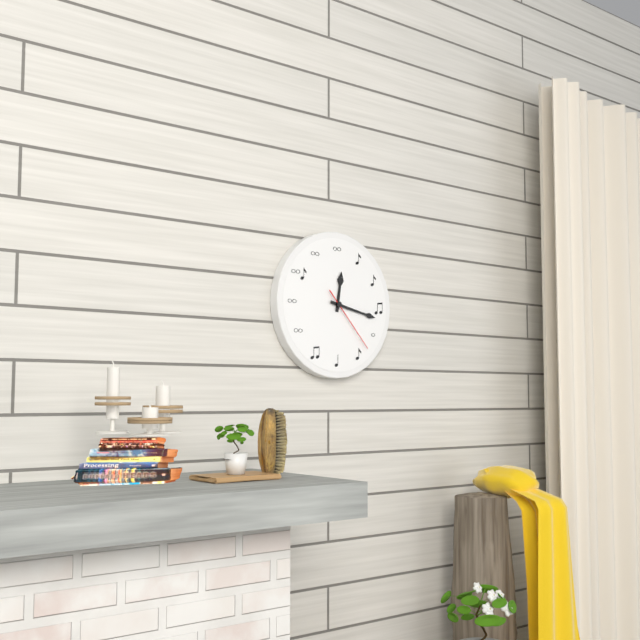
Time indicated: 12:17:23
